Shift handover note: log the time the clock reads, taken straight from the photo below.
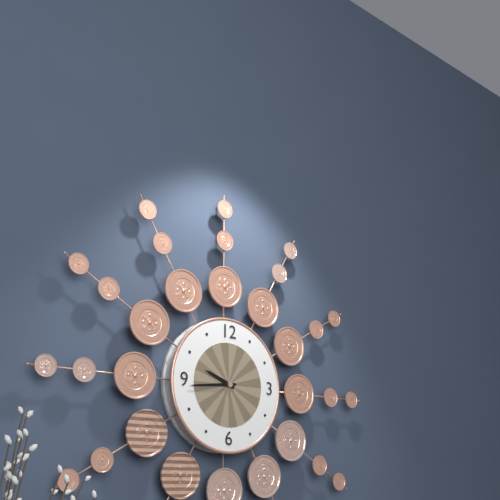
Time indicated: 9:44
